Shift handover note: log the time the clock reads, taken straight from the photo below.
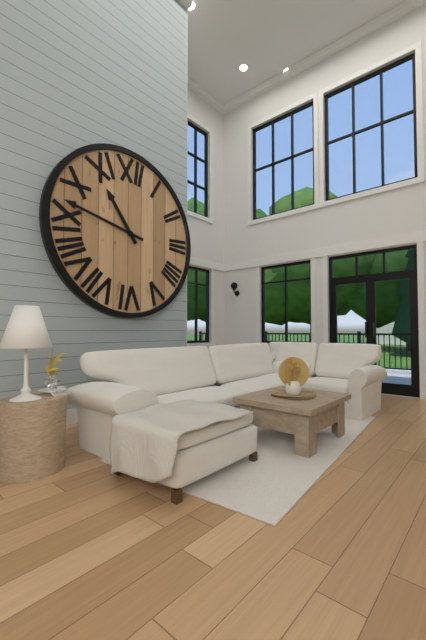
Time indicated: 10:47
